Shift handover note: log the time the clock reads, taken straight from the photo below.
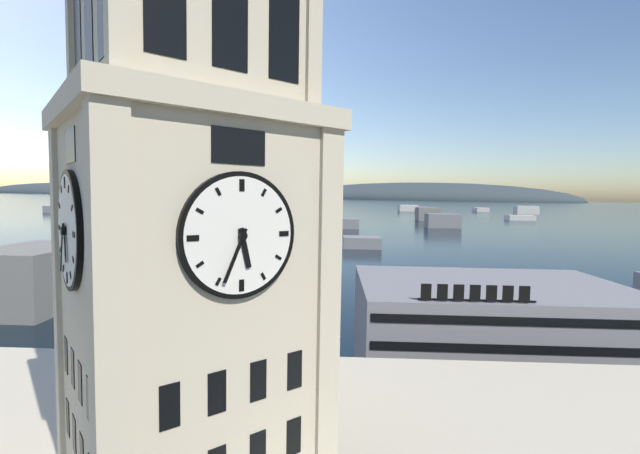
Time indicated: 5:34
